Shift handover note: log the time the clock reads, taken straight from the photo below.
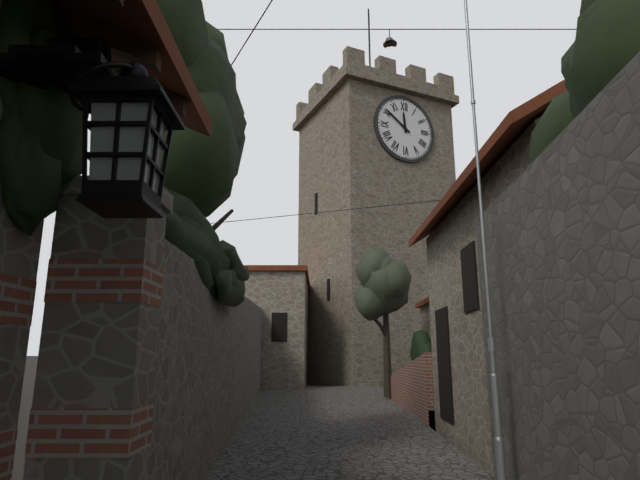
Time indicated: 11:51
